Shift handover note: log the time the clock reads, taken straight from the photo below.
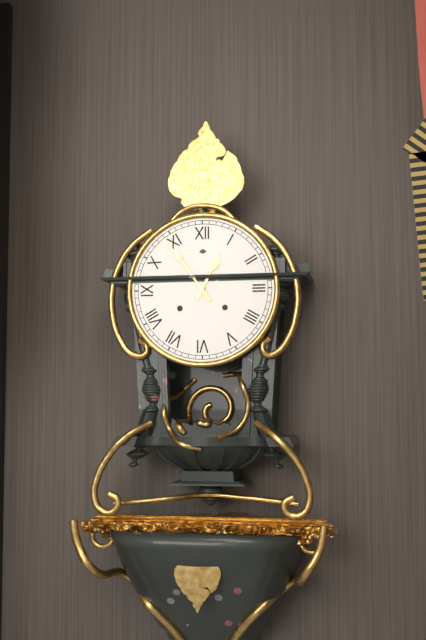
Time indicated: 12:54
